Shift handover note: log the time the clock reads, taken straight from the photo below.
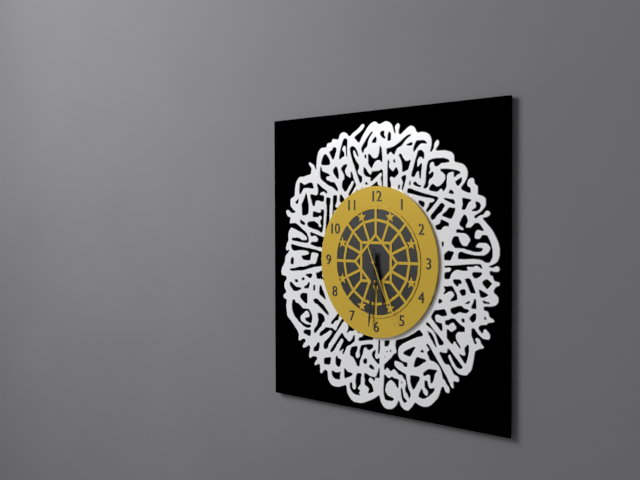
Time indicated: 5:31:26
